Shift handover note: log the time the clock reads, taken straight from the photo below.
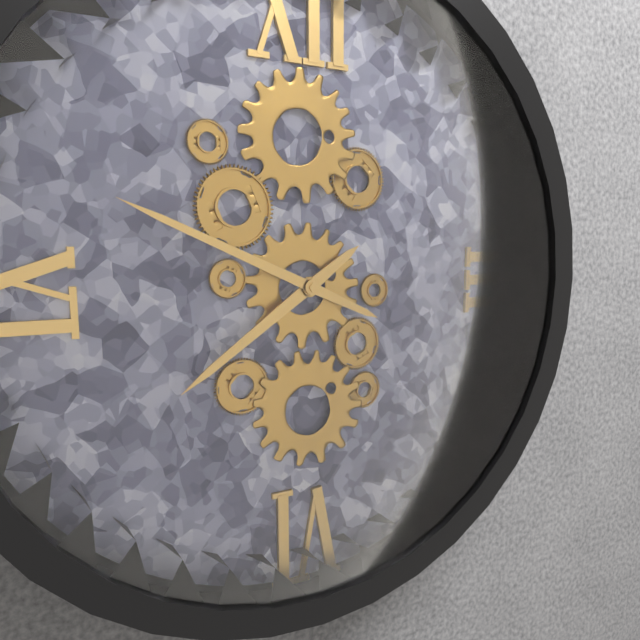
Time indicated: 7:49
